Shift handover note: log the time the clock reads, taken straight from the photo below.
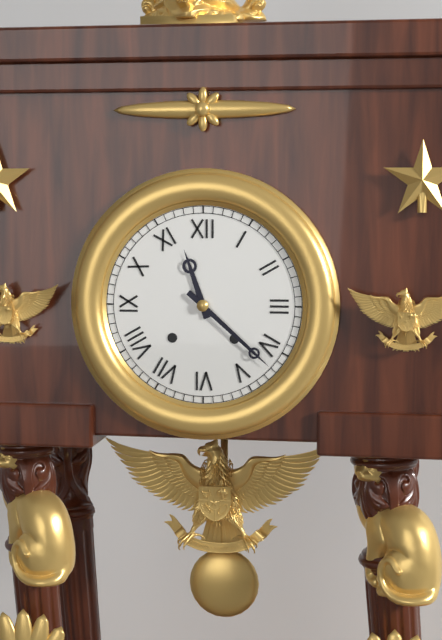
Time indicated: 11:22
